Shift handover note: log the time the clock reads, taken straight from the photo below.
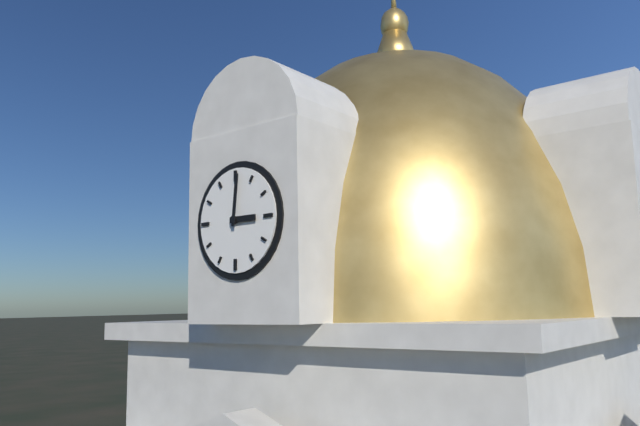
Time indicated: 3:01
